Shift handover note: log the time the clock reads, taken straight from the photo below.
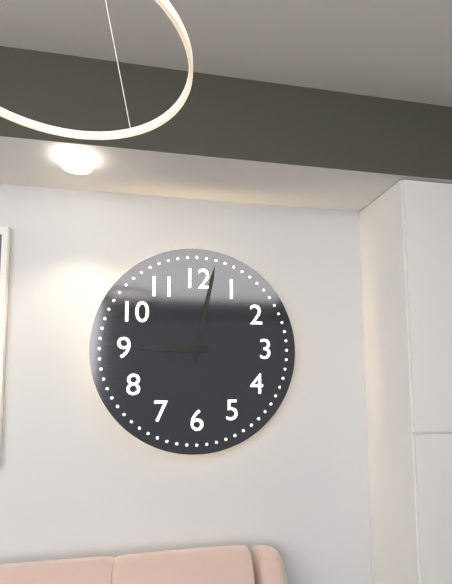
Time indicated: 9:02
